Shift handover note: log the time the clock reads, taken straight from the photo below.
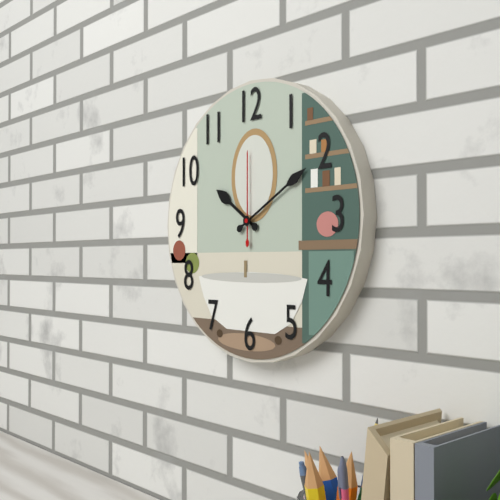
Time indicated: 10:10:00
